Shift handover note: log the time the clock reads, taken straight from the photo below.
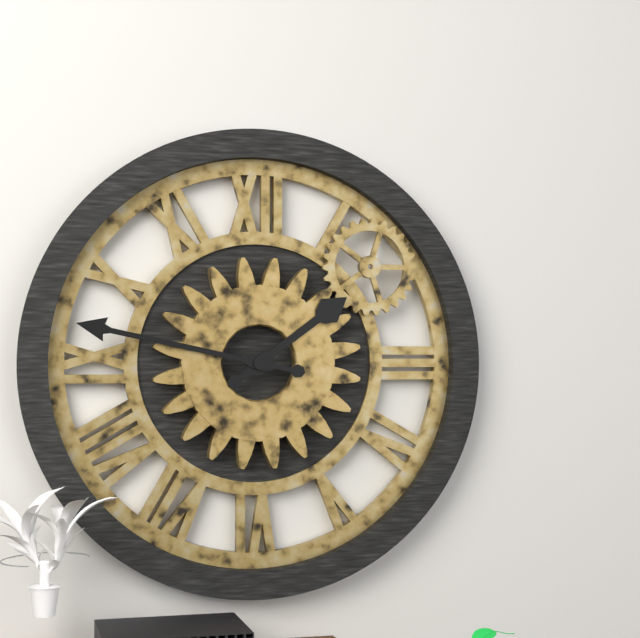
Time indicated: 1:47
